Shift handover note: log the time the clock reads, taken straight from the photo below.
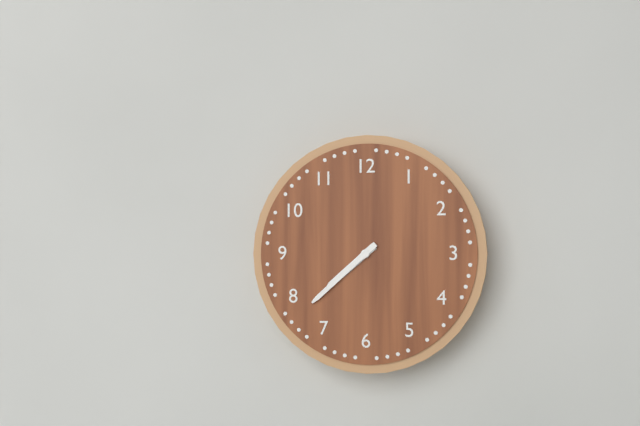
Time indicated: 7:38
